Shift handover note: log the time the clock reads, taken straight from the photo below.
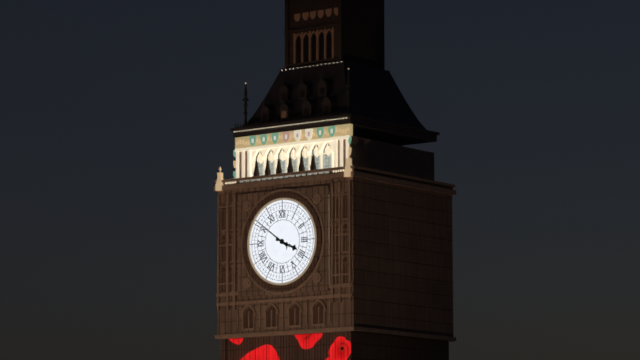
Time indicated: 3:51
